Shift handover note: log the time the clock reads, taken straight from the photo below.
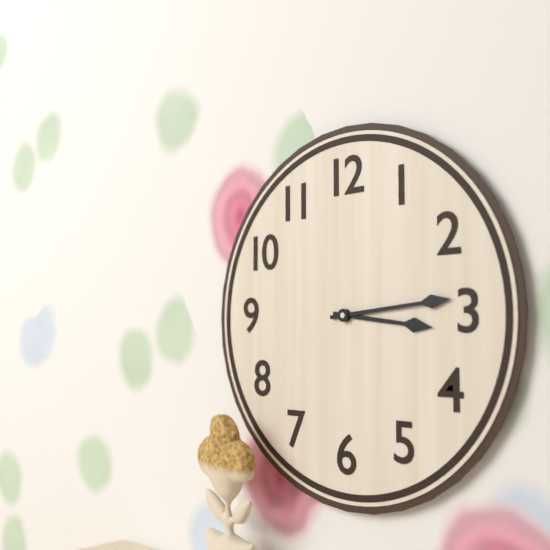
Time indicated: 3:14
